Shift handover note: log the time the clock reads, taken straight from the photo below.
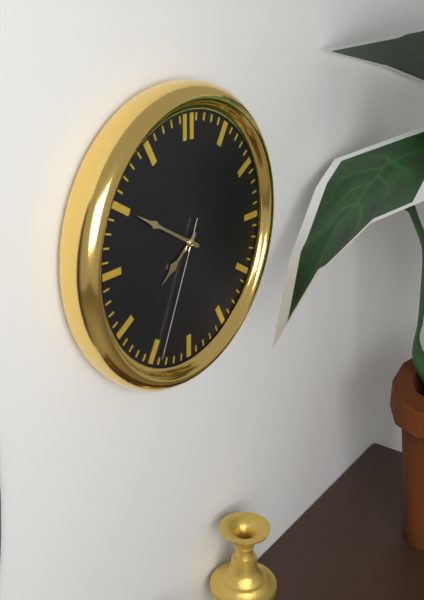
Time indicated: 7:50:34
